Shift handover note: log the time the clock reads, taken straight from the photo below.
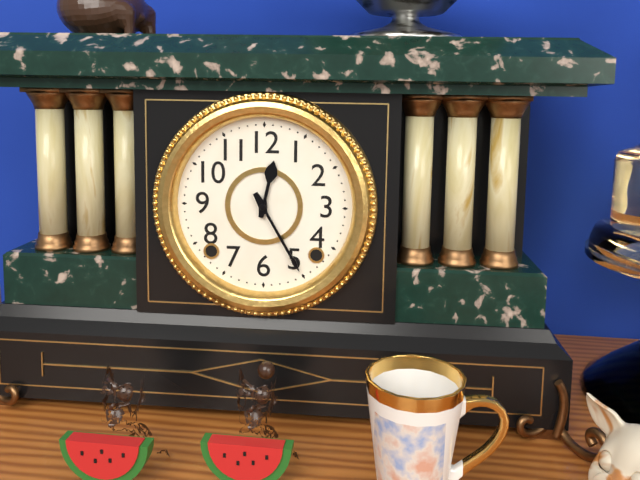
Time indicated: 12:25
